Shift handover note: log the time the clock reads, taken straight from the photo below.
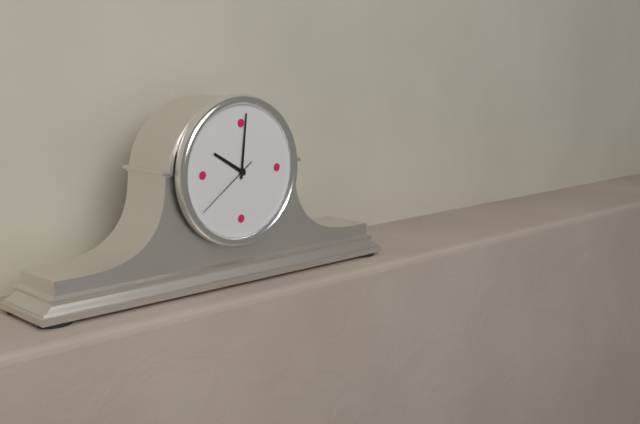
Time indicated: 10:01:39
